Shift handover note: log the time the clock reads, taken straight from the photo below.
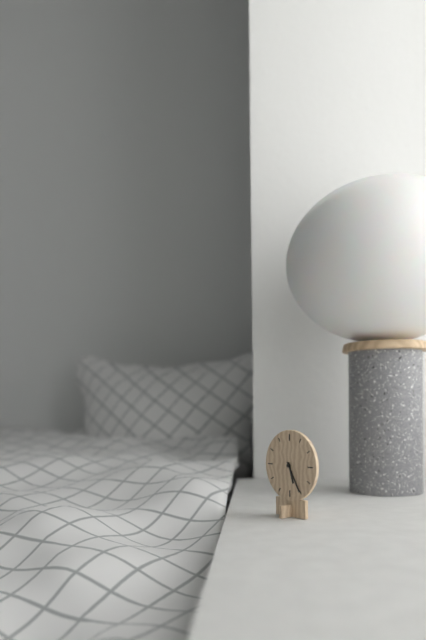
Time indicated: 5:25
